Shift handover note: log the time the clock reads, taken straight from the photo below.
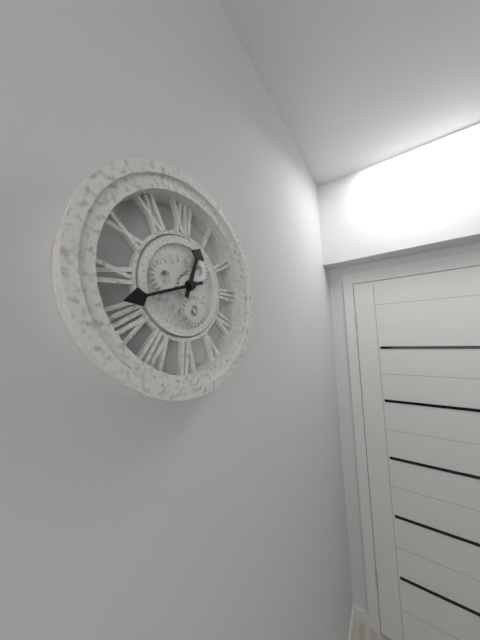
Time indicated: 12:42
